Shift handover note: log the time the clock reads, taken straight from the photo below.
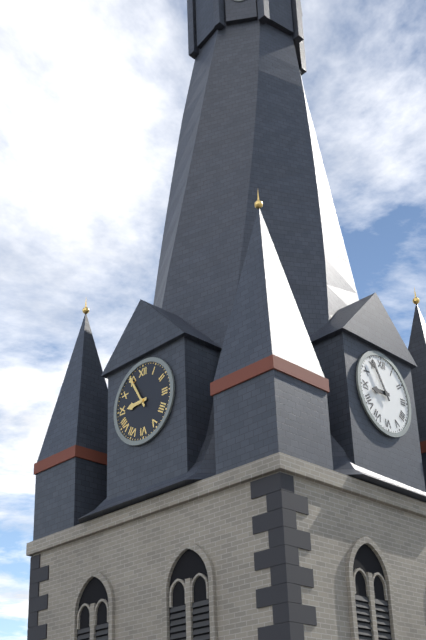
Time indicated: 8:55
